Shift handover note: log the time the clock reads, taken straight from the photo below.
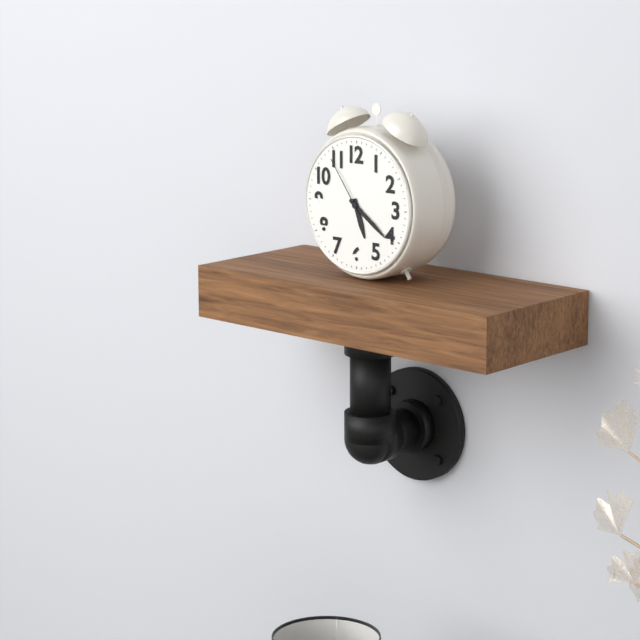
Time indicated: 5:21:54
